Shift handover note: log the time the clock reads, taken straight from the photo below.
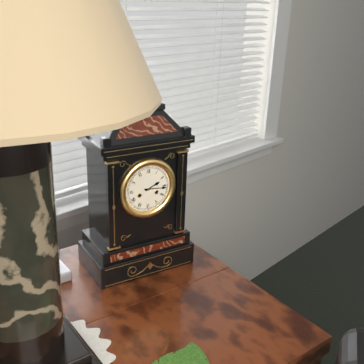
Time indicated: 2:16
